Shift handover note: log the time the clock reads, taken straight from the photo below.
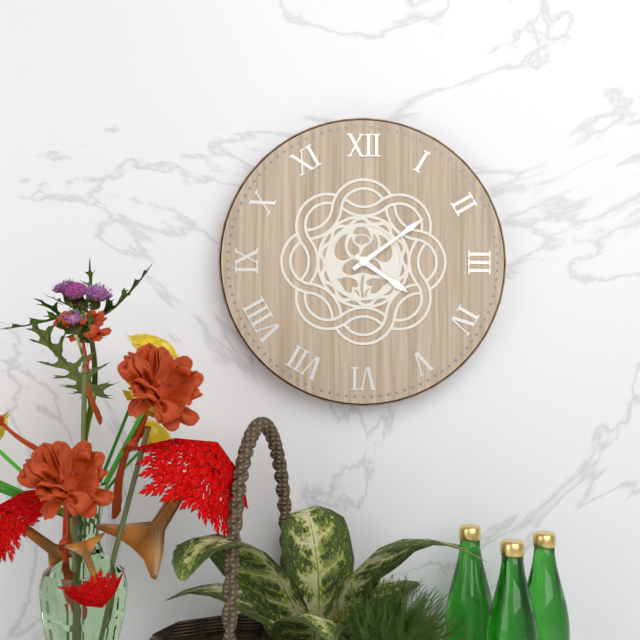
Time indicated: 4:09
